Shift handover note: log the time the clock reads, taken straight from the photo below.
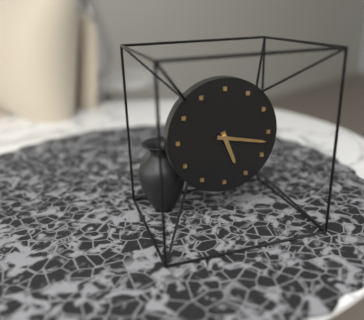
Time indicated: 5:17
